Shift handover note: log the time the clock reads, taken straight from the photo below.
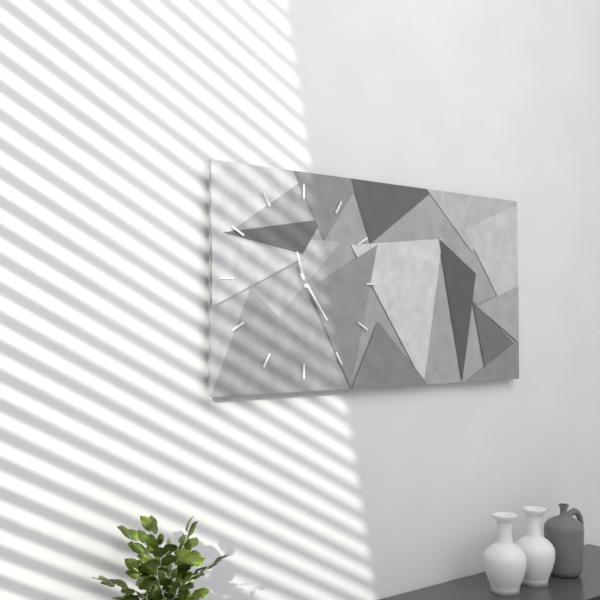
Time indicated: 11:24
